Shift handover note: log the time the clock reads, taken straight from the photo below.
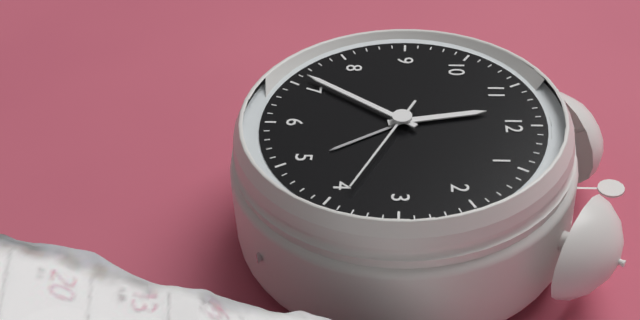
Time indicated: 11:36:19
